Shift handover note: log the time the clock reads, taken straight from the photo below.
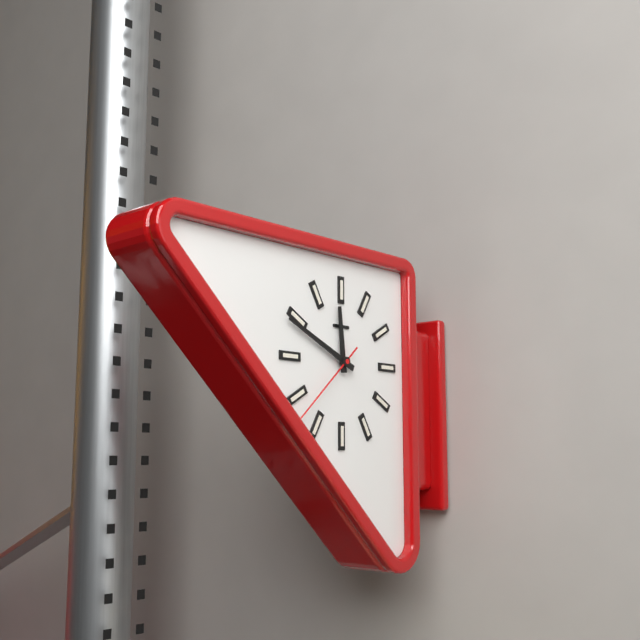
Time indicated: 11:49:38
